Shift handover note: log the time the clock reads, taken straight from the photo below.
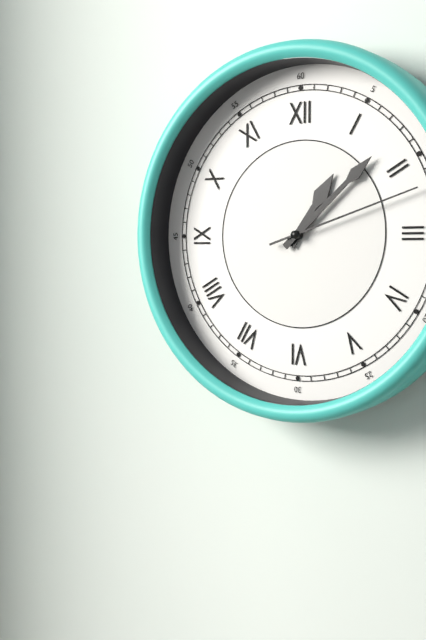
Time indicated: 1:08:12
